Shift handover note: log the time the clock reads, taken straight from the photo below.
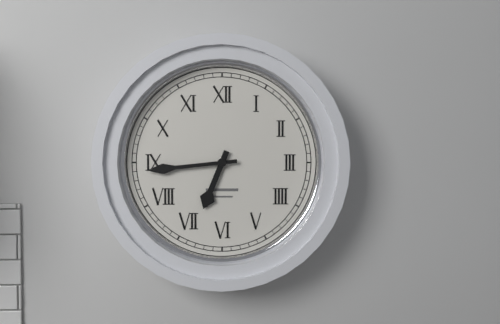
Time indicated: 6:44
